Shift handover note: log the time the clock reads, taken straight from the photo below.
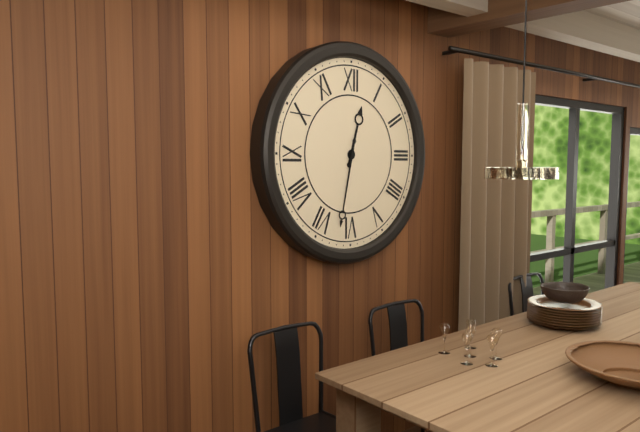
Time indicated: 12:32
